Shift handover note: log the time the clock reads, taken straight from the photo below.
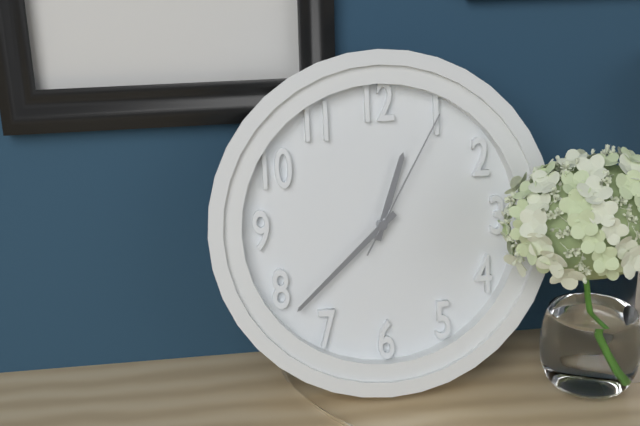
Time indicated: 12:38:05
